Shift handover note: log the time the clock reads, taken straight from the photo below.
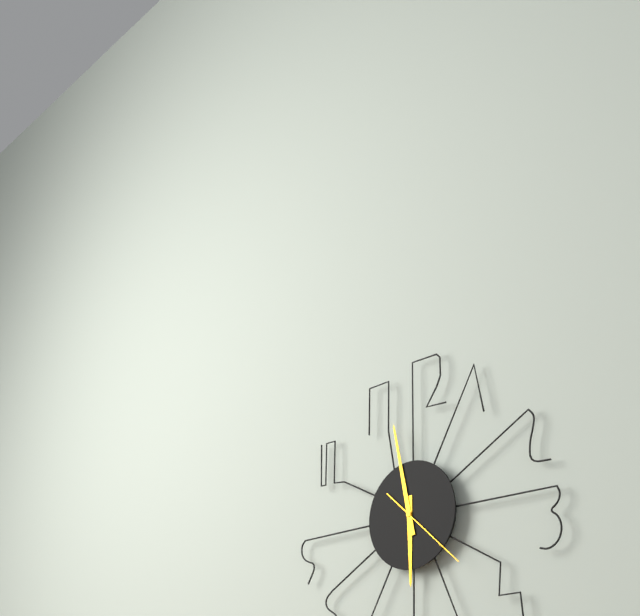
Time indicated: 5:58:22
